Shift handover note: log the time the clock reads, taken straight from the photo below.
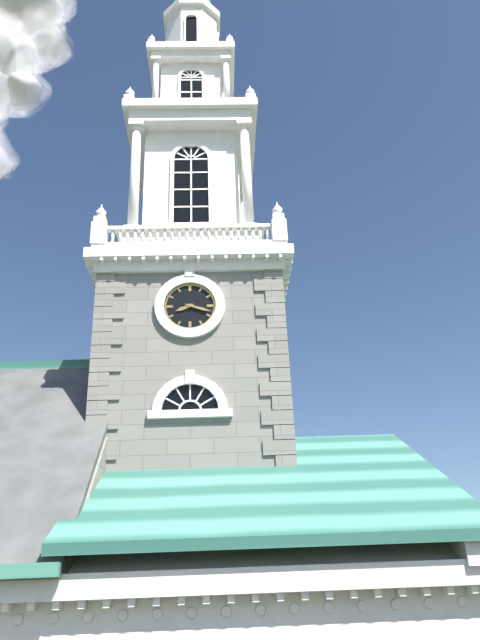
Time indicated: 8:18
